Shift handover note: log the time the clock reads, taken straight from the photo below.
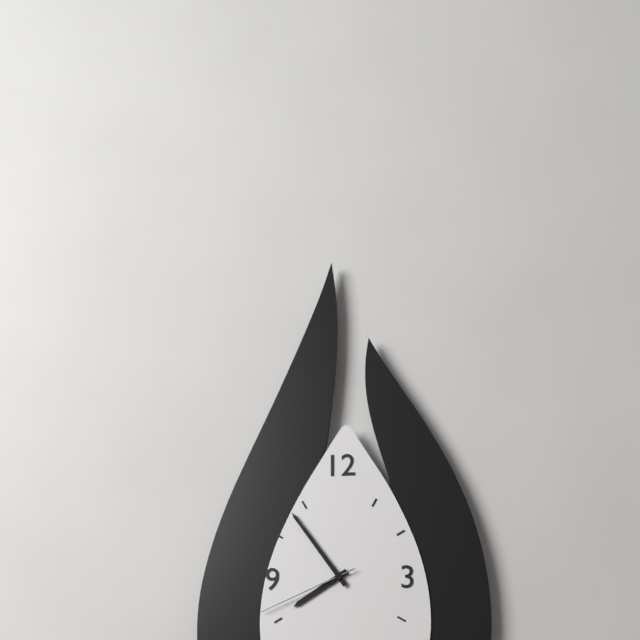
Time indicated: 7:54:41
